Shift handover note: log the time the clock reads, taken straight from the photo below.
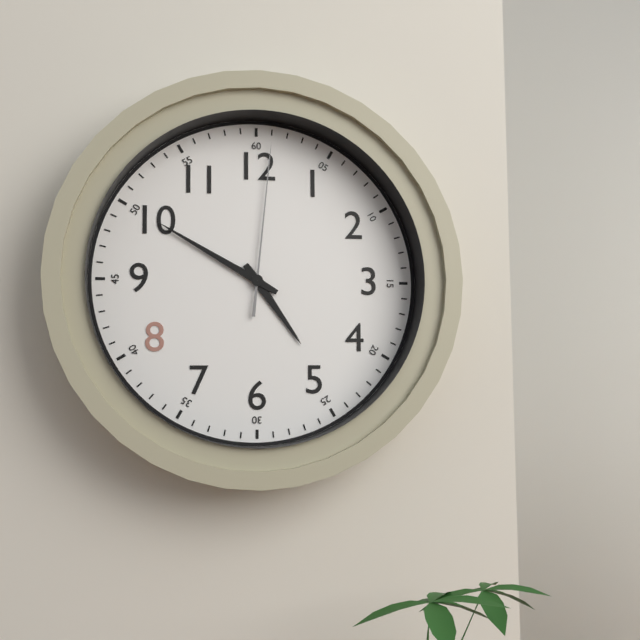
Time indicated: 4:50:01
